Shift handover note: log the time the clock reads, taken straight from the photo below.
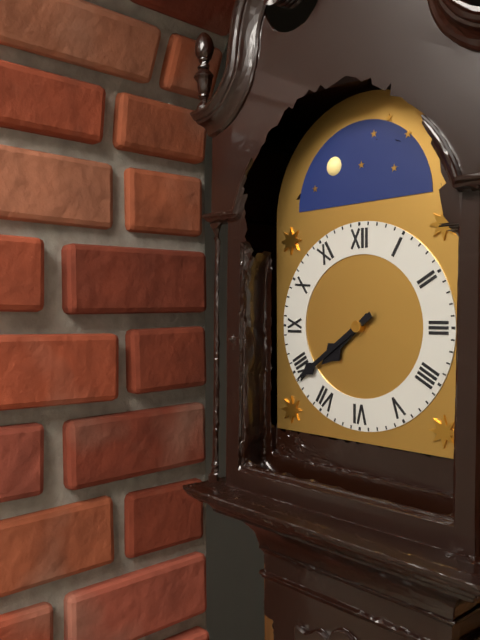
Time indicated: 7:39
